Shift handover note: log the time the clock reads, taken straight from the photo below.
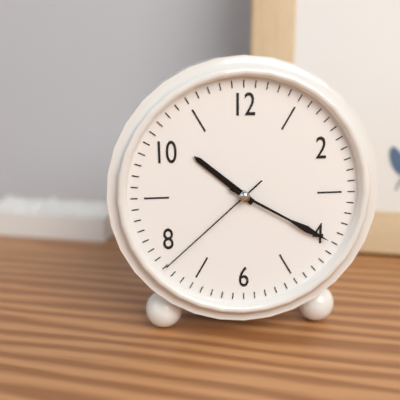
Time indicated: 10:20:38
